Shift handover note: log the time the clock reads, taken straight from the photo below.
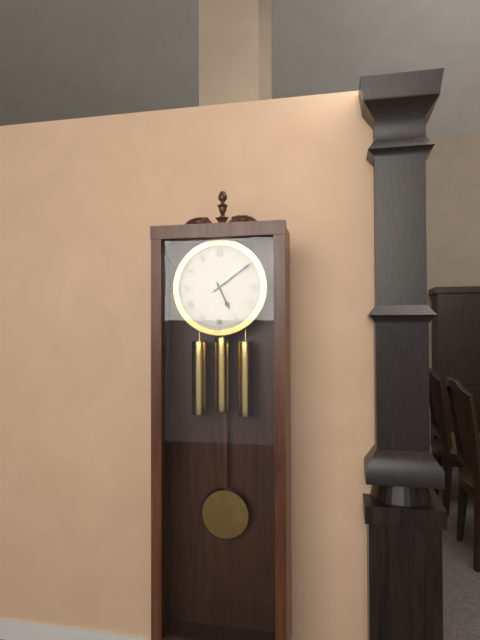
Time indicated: 5:09
